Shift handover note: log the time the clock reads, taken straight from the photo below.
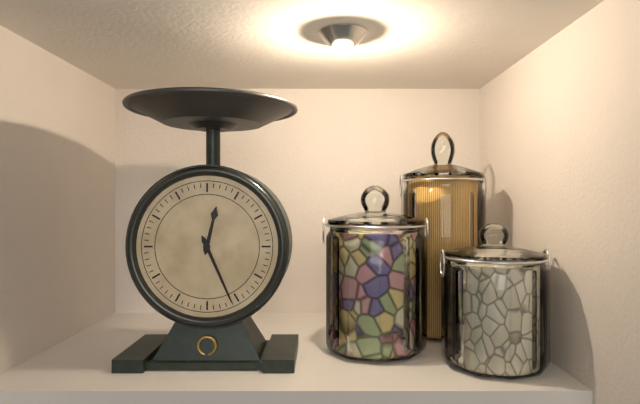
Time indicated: 12:26
